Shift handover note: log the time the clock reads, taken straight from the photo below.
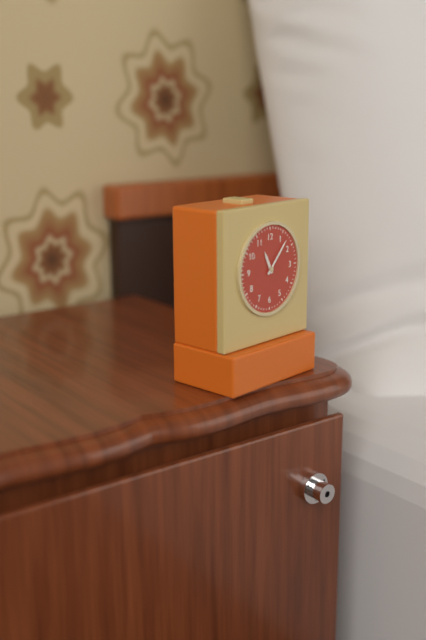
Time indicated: 11:07
